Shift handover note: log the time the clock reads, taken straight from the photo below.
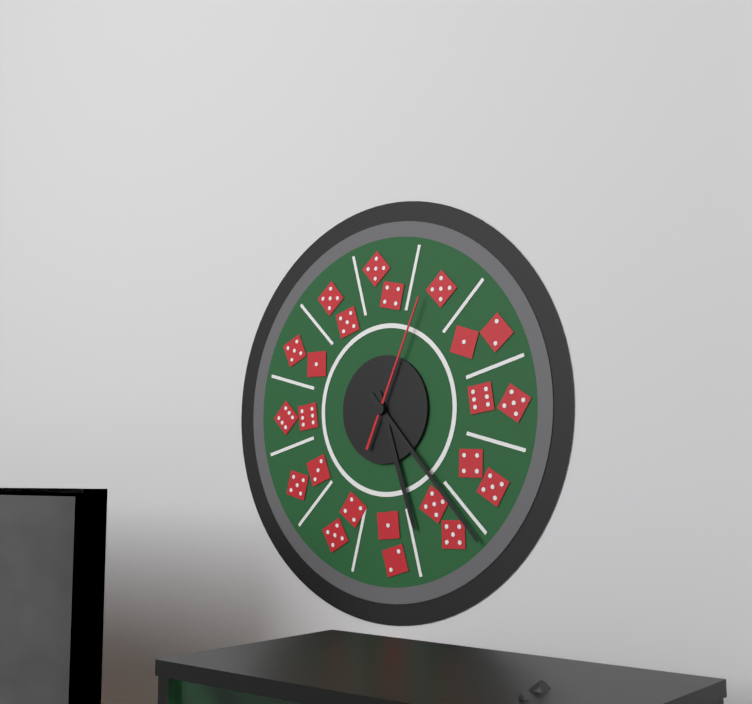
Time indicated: 5:23:04
